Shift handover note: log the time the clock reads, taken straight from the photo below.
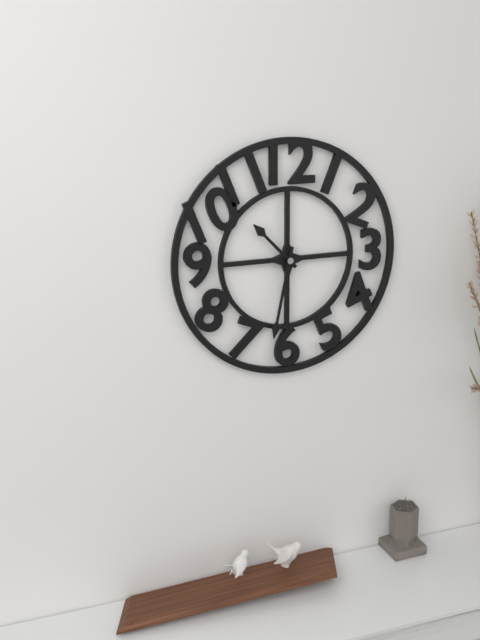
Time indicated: 10:32
